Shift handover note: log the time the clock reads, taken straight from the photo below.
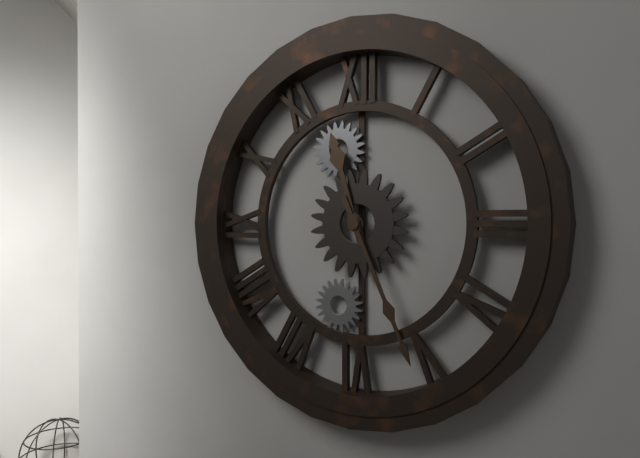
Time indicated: 11:26
